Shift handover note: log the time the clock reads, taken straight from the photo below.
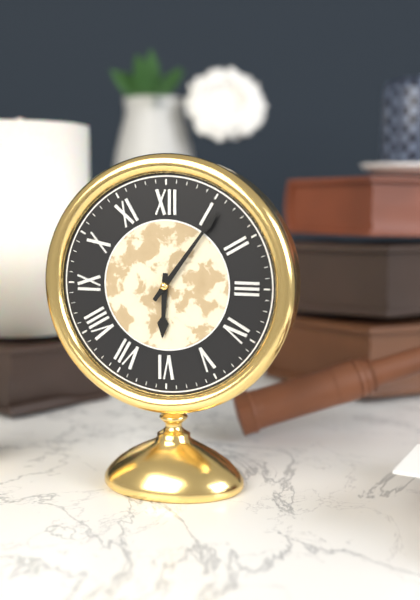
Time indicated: 6:06
